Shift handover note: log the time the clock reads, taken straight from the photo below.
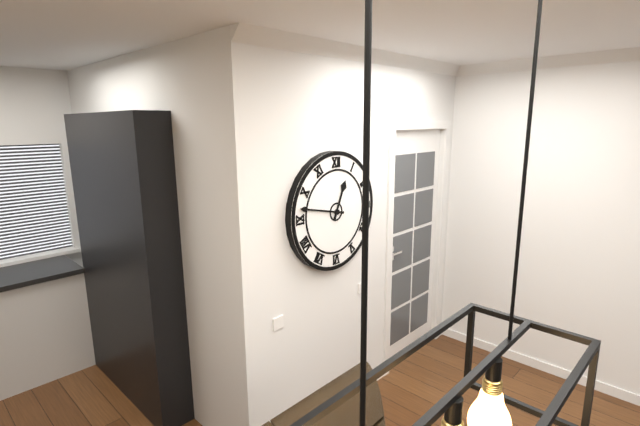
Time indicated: 12:47
